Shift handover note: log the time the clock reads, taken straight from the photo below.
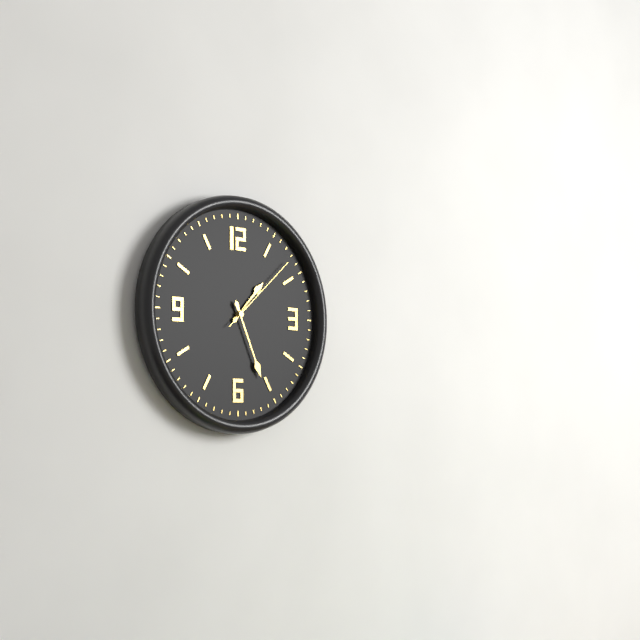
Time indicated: 1:26:08
